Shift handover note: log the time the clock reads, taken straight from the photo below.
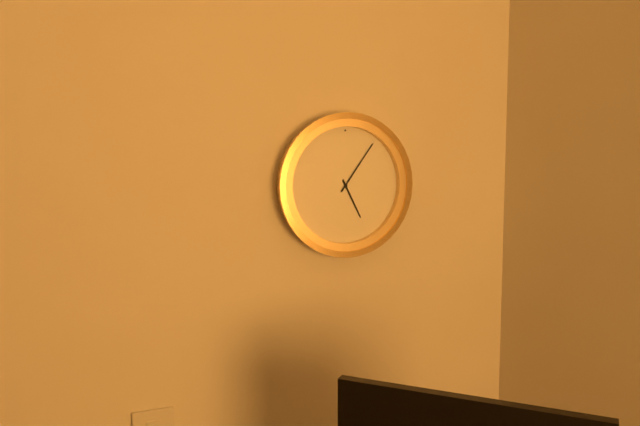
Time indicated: 5:06
